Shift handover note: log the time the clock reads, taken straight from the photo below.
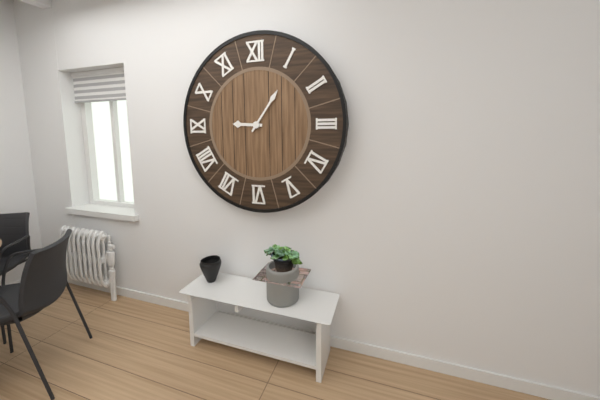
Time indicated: 9:06
